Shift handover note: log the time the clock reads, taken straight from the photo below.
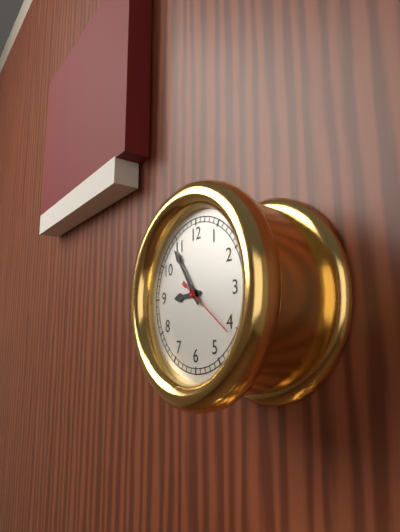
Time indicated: 8:54:21
